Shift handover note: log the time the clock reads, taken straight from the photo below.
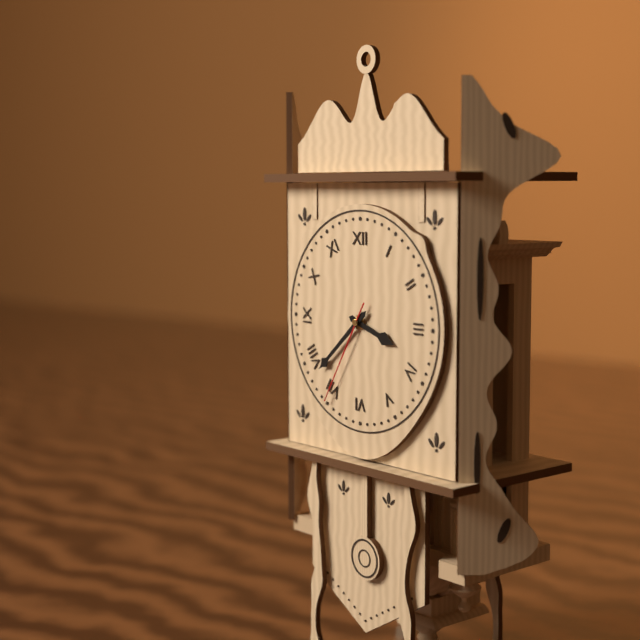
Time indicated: 3:38:35
